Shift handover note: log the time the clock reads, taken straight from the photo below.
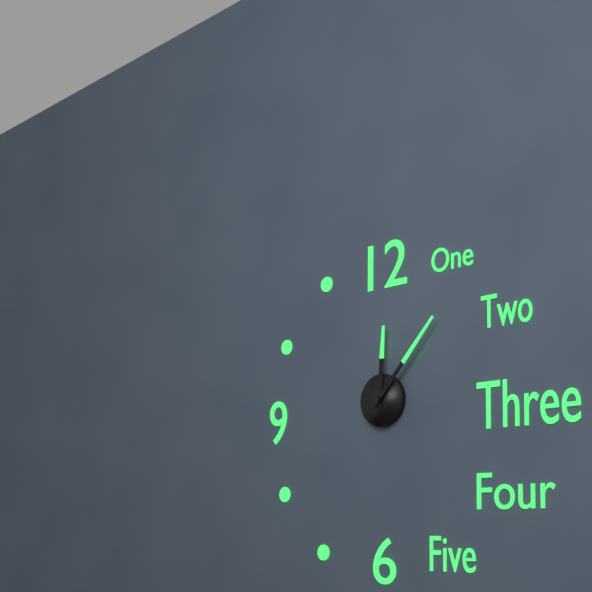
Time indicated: 12:07
